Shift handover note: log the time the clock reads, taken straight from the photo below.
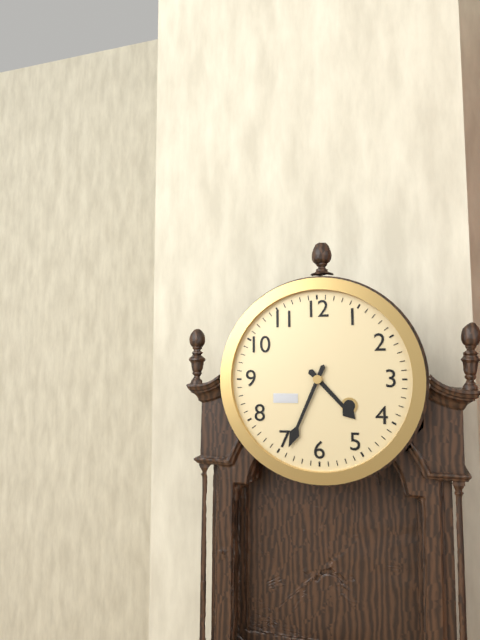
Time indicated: 4:34
